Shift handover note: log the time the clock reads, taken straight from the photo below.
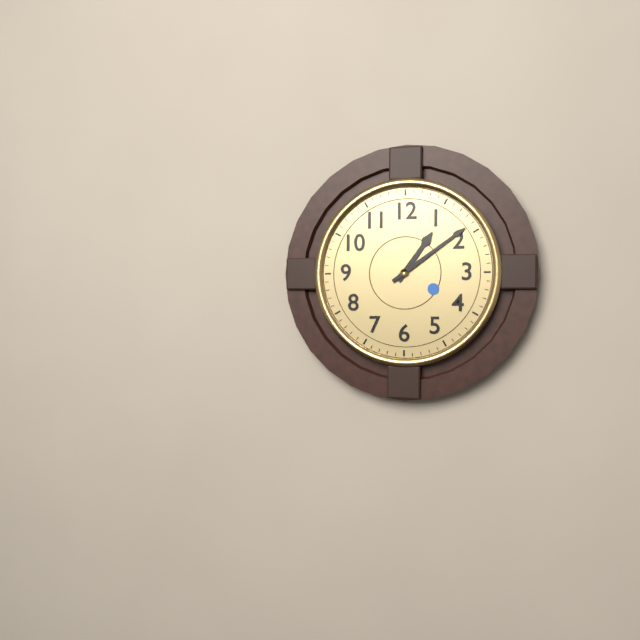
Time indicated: 1:09
